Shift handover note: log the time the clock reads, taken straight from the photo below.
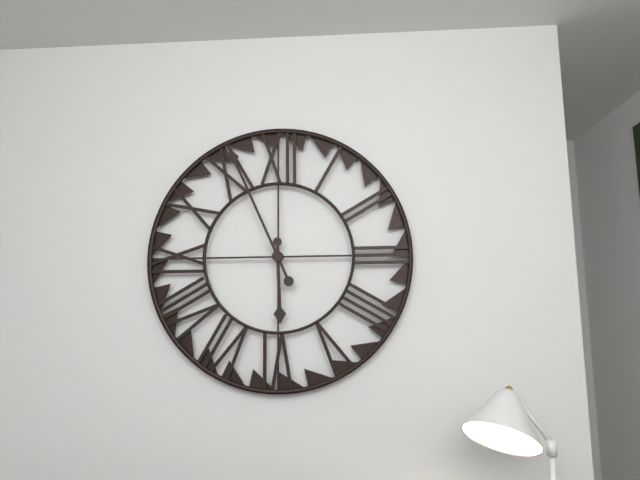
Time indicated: 5:56
